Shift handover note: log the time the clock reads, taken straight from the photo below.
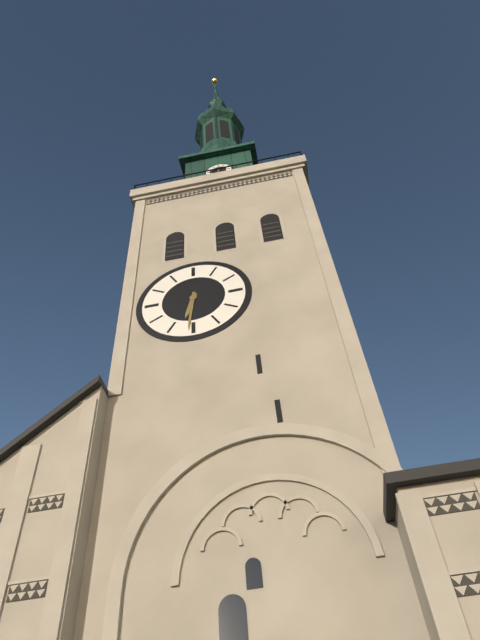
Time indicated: 6:31
